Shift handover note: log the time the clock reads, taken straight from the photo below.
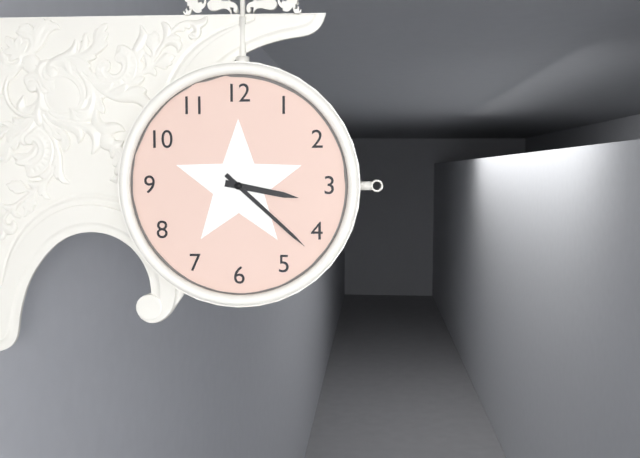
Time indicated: 3:22
